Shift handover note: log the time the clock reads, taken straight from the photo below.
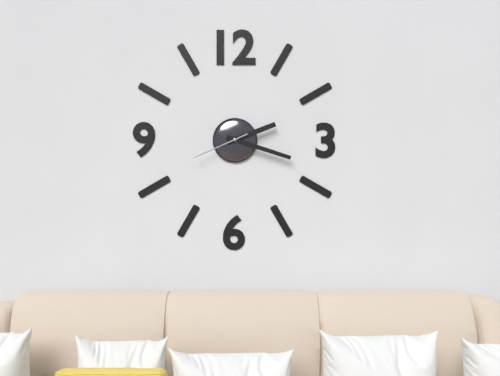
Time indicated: 2:18:41
